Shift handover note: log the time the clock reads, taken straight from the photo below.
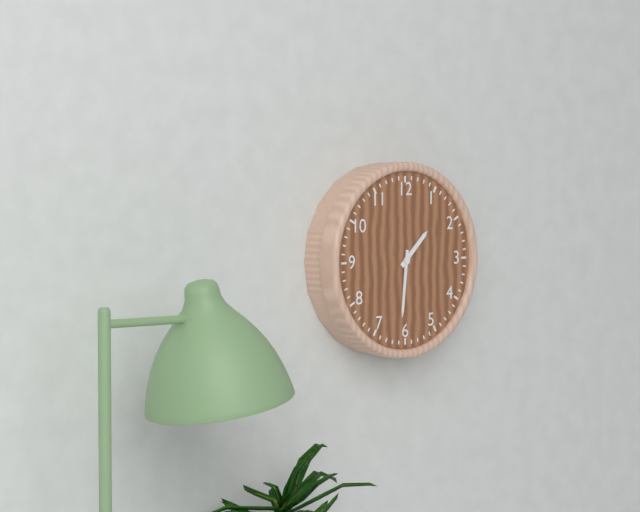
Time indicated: 1:31
